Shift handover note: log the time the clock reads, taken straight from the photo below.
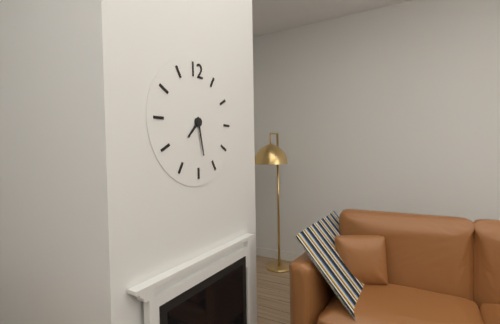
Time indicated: 7:28
